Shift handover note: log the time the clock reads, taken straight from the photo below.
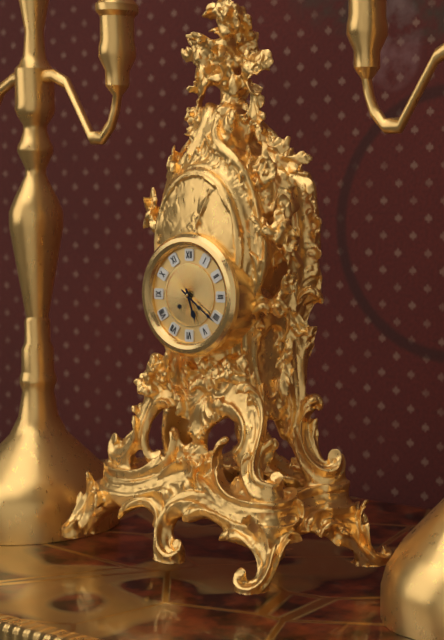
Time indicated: 5:21
